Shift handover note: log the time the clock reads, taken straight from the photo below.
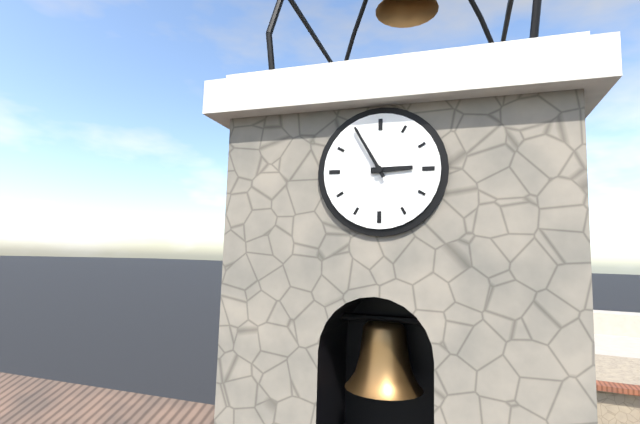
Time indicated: 2:55
